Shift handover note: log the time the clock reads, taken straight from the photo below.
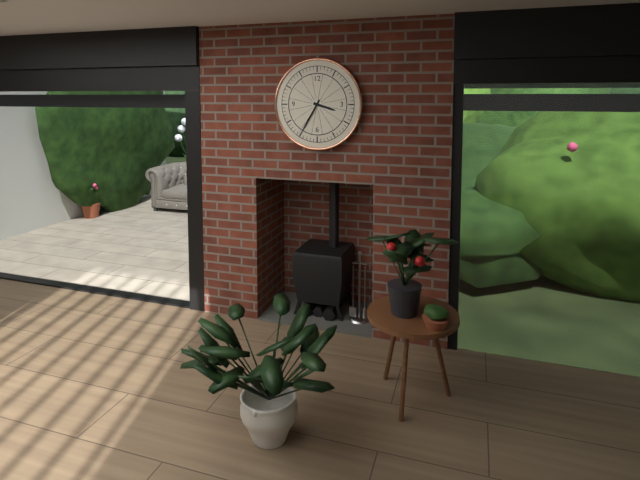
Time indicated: 3:35
